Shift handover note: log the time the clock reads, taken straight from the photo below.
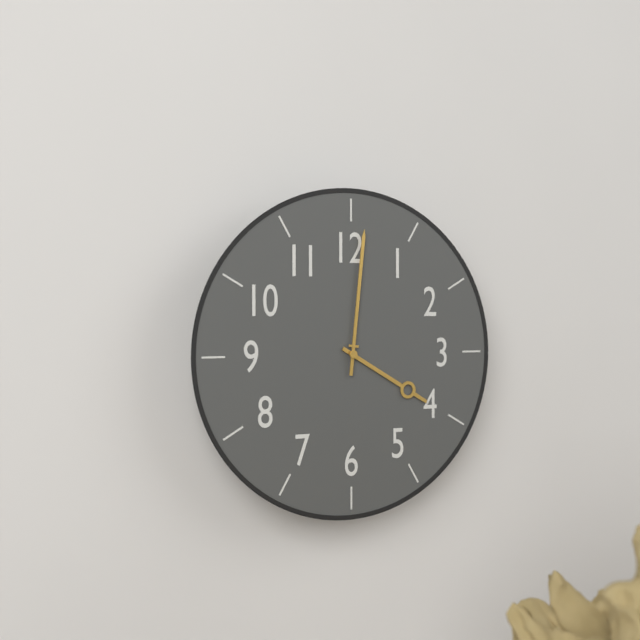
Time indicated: 4:01
